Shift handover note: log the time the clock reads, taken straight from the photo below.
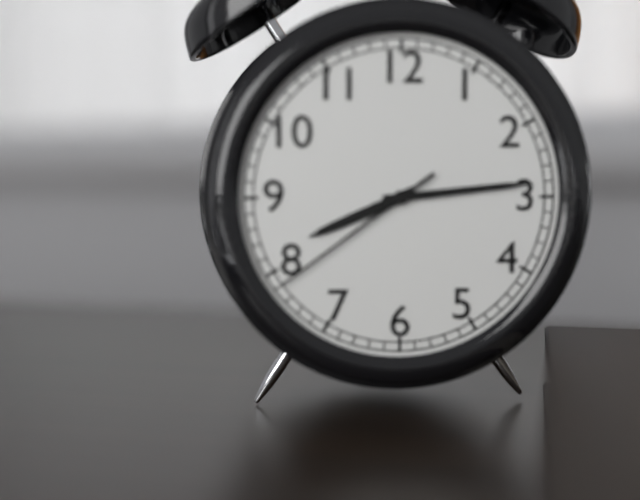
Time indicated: 8:14:39
